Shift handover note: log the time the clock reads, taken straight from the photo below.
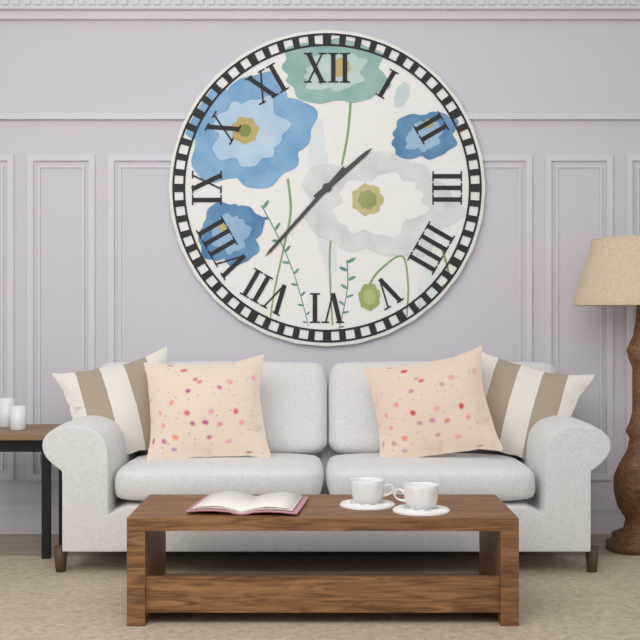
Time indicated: 1:37
